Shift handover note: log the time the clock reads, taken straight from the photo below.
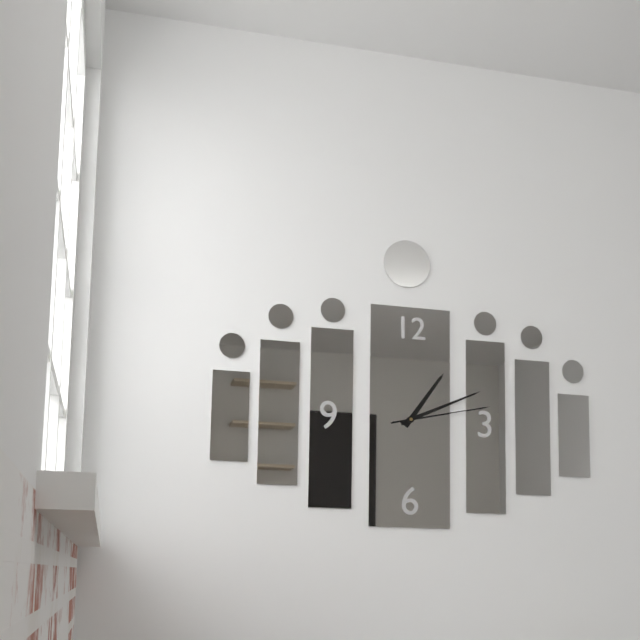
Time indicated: 1:11:13
